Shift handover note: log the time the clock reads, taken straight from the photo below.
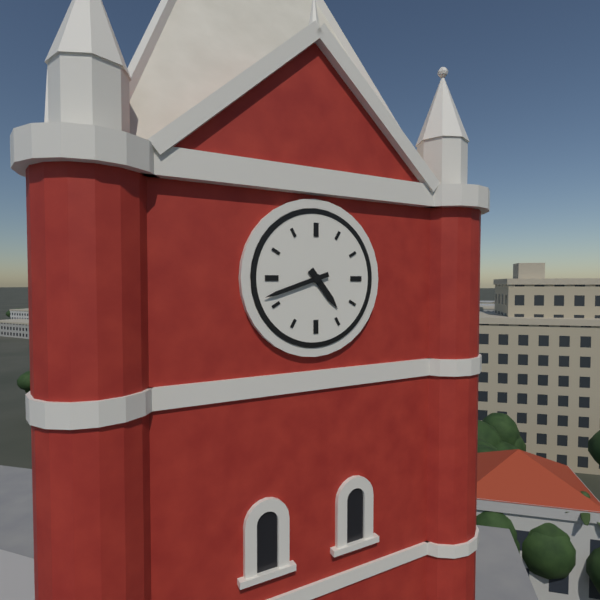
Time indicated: 4:42
